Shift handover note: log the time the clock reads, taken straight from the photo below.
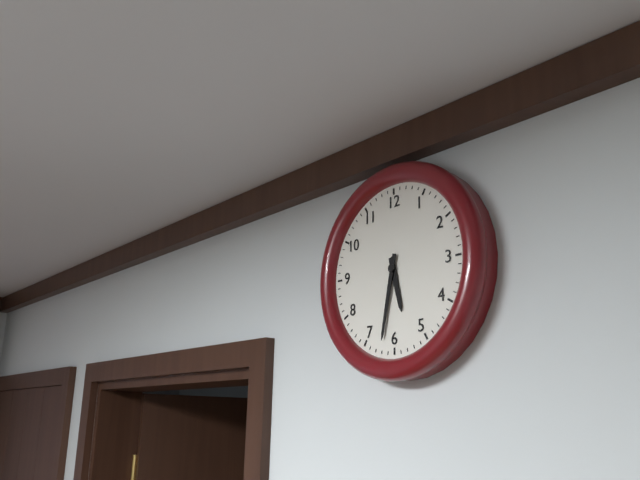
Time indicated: 5:32
